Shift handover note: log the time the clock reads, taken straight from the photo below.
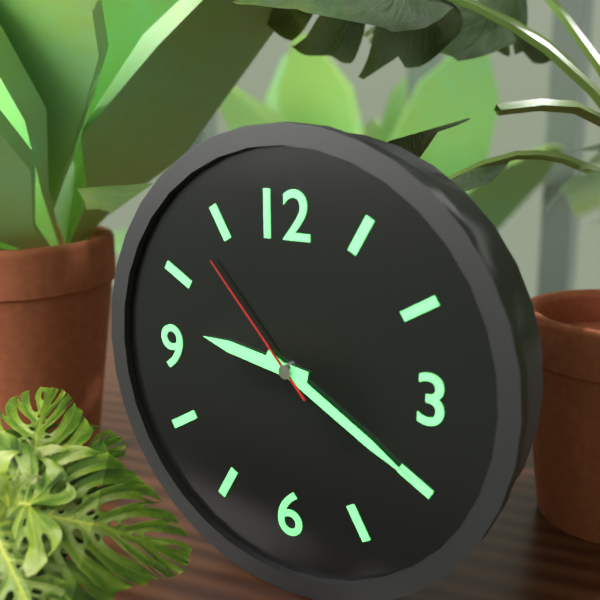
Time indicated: 9:20:53
